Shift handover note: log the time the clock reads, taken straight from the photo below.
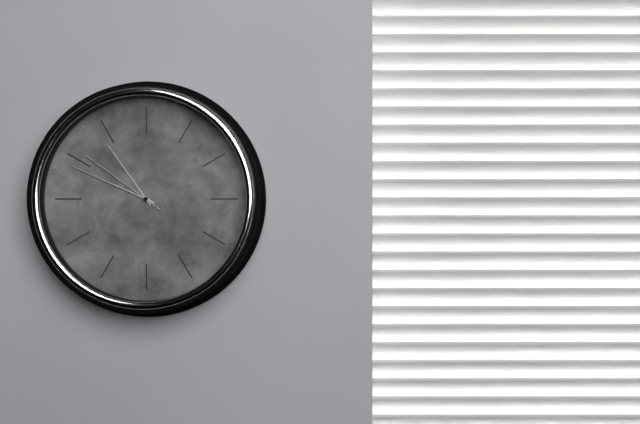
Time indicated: 10:49:51
